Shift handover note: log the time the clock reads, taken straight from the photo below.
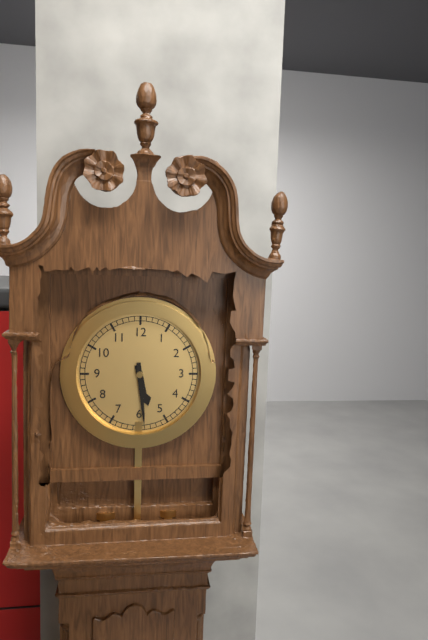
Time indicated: 5:29
